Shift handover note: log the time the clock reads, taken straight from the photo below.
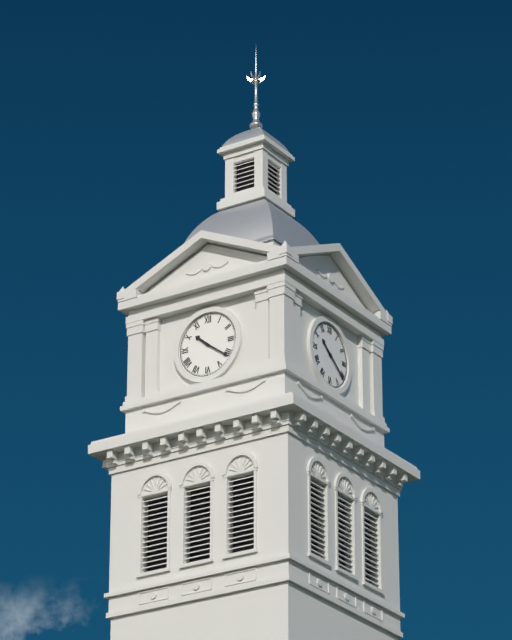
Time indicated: 10:21
